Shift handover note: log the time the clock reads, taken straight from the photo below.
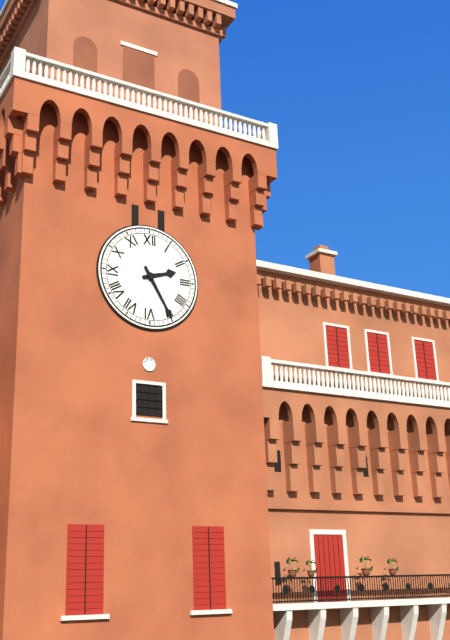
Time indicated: 2:25
